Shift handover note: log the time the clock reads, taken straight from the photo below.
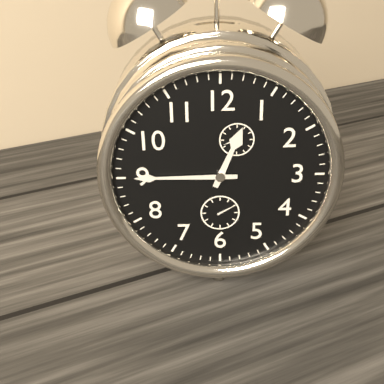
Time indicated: 12:45
